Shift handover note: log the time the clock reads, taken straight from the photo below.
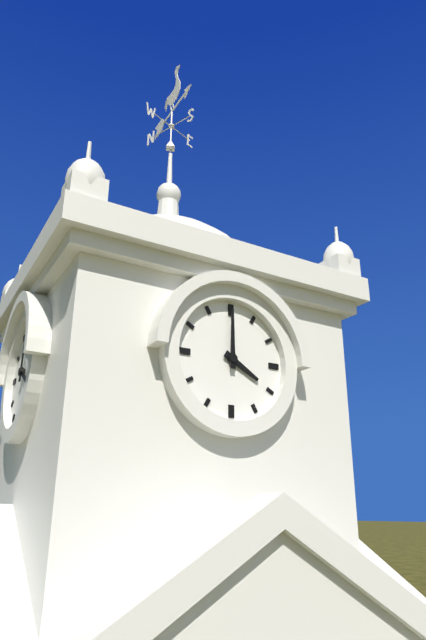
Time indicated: 4:00
